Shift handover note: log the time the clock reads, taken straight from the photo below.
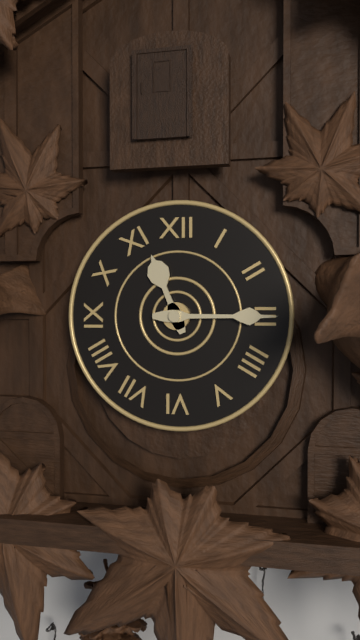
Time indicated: 11:15
